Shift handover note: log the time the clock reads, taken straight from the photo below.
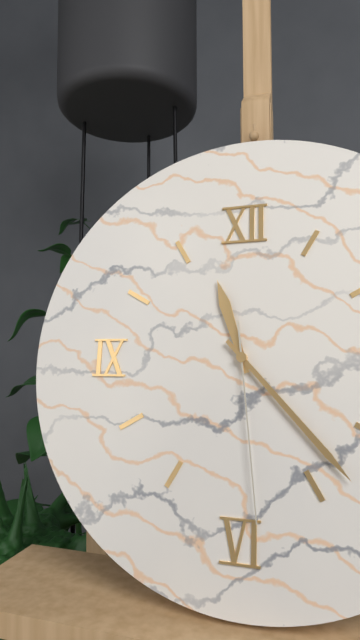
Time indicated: 11:23:29
